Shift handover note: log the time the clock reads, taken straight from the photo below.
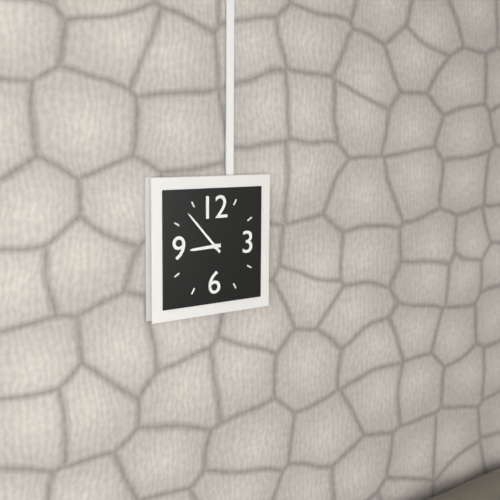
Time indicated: 8:53
